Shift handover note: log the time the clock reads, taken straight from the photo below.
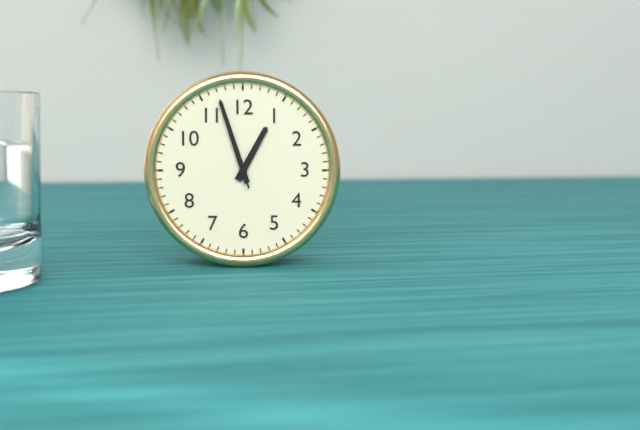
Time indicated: 12:57:57
